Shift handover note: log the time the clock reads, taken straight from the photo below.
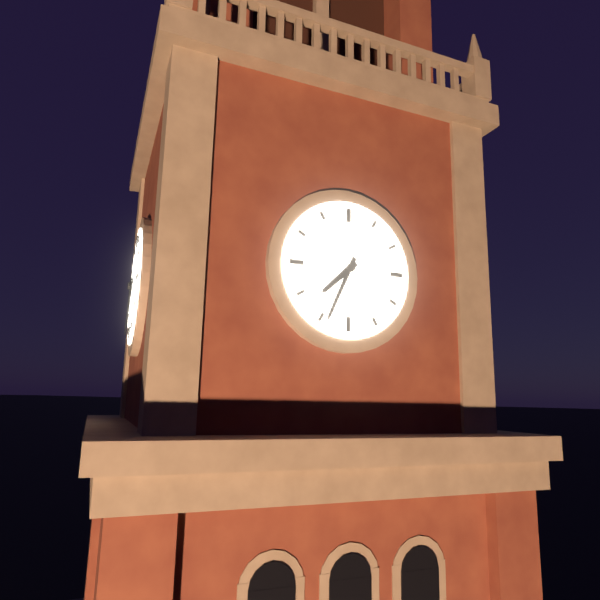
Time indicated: 7:34
